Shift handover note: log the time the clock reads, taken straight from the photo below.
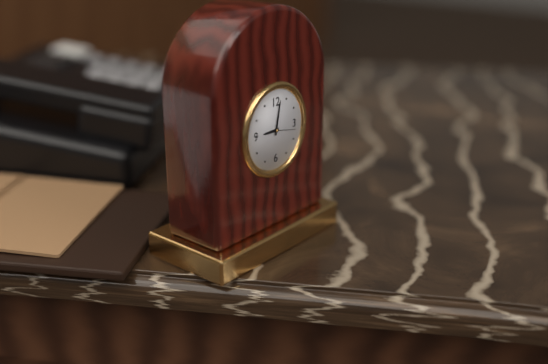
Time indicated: 9:02
